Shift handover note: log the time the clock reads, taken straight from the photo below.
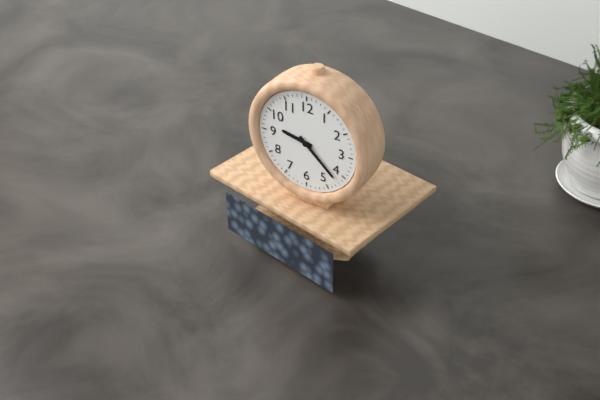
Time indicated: 9:22
